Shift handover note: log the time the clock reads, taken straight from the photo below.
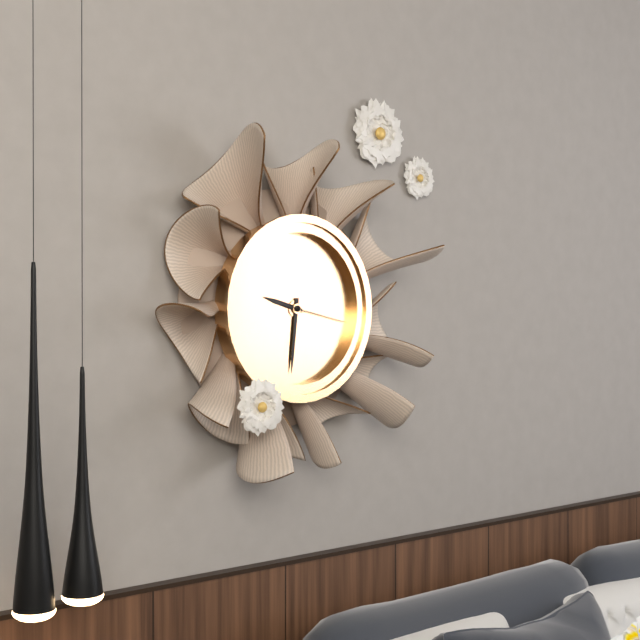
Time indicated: 9:31:17
